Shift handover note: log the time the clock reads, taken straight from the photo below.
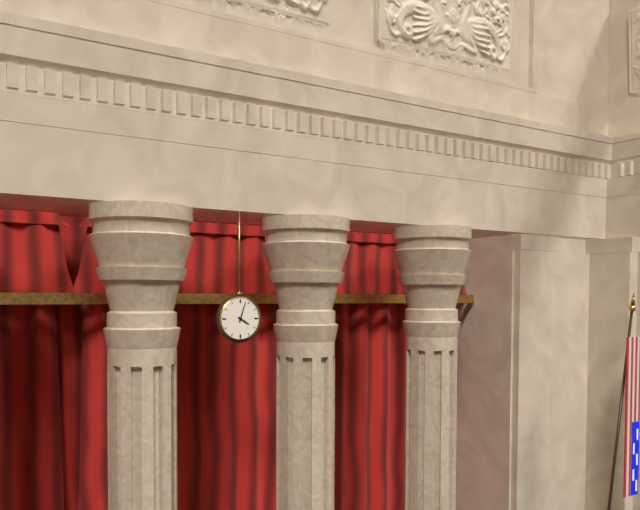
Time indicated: 4:03
